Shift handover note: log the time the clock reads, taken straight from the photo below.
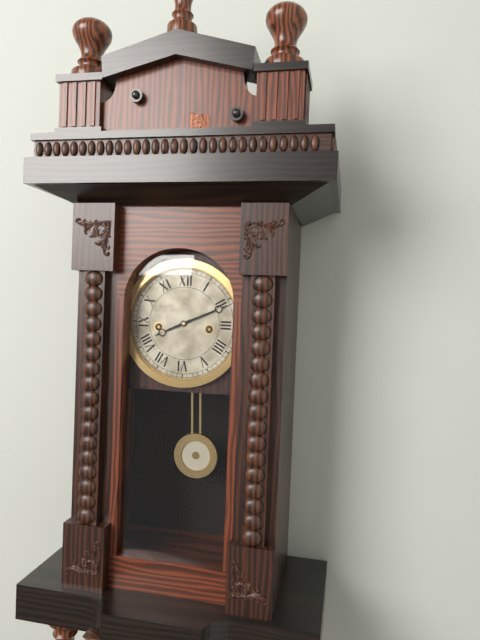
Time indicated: 8:11
